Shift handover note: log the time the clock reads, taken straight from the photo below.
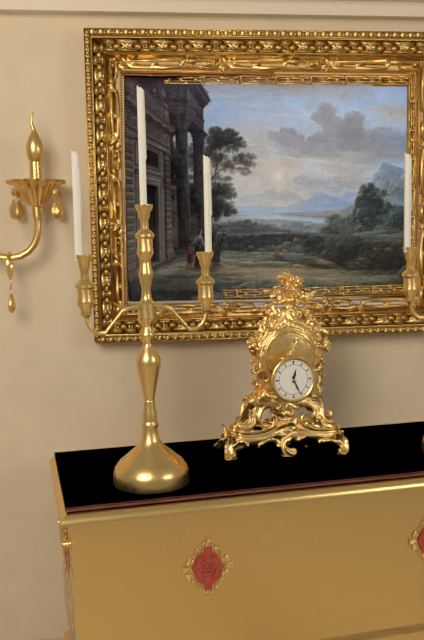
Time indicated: 12:26
